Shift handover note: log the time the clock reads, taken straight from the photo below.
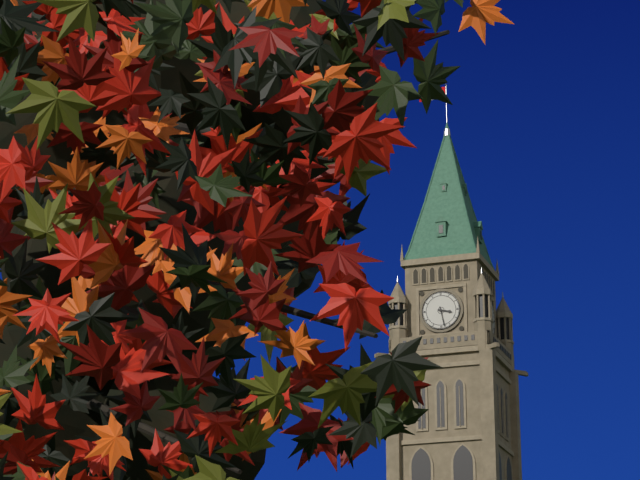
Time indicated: 3:28
